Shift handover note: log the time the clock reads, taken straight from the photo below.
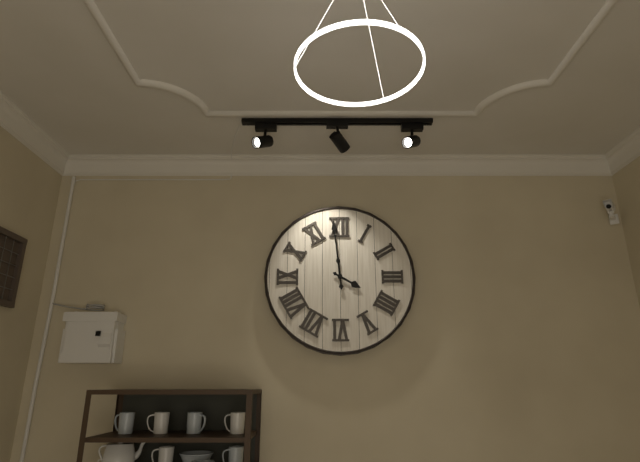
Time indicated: 3:59
